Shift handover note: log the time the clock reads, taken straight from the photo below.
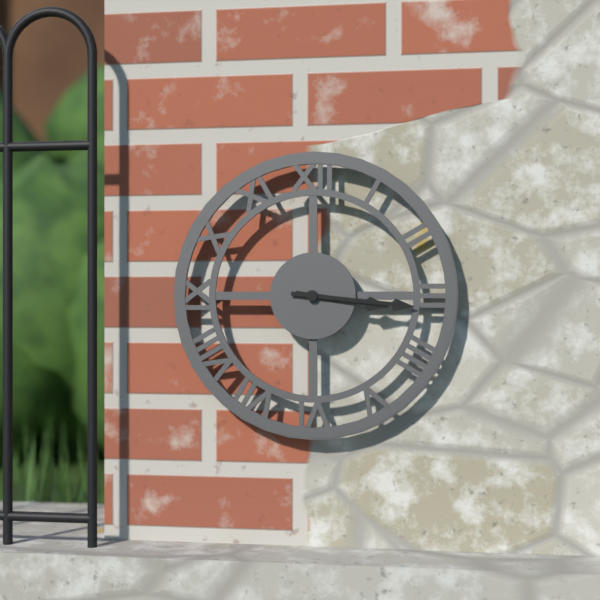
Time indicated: 3:16
